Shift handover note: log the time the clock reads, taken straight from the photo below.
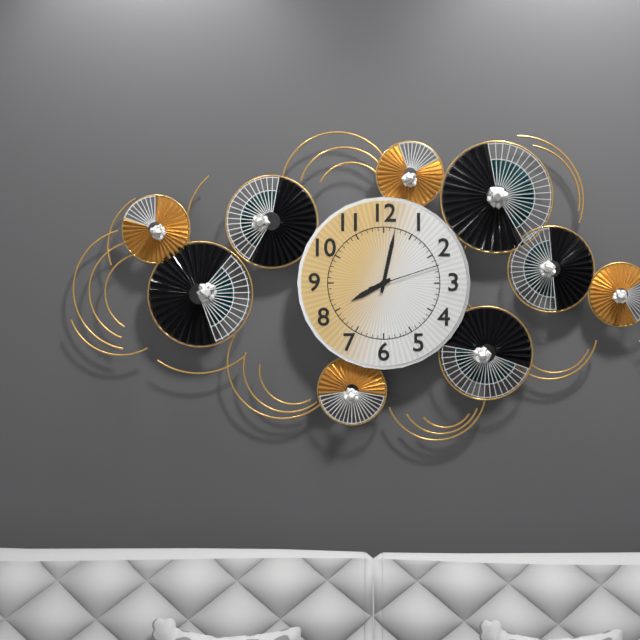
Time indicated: 8:02:12
